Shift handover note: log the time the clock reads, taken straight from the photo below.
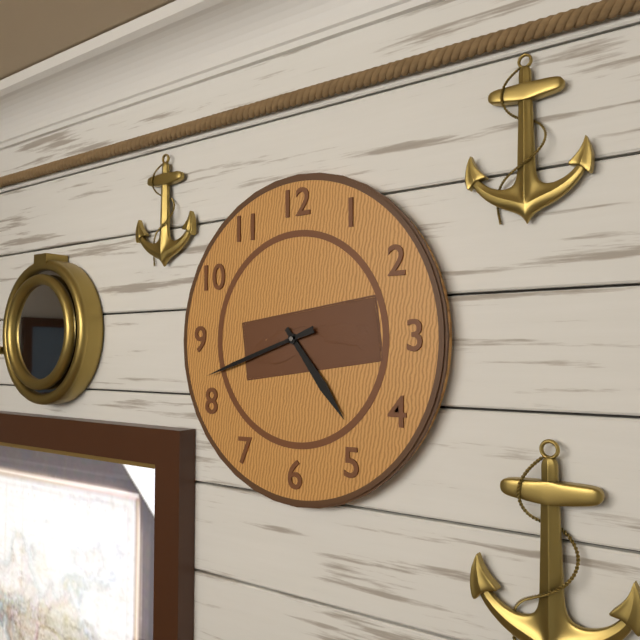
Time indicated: 4:42
